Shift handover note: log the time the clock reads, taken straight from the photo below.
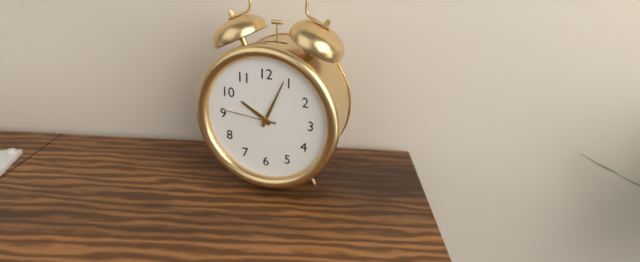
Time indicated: 10:04:46
